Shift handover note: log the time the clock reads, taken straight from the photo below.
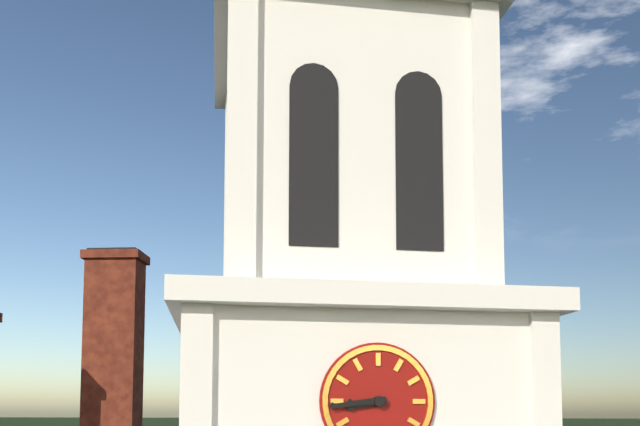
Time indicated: 8:44
